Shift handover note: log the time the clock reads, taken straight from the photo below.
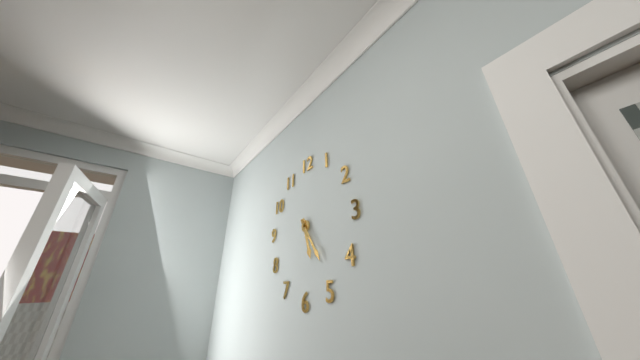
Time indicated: 5:24
